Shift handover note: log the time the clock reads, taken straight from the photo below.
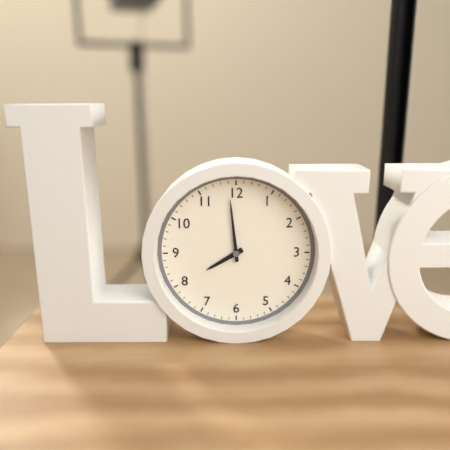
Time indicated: 7:59
